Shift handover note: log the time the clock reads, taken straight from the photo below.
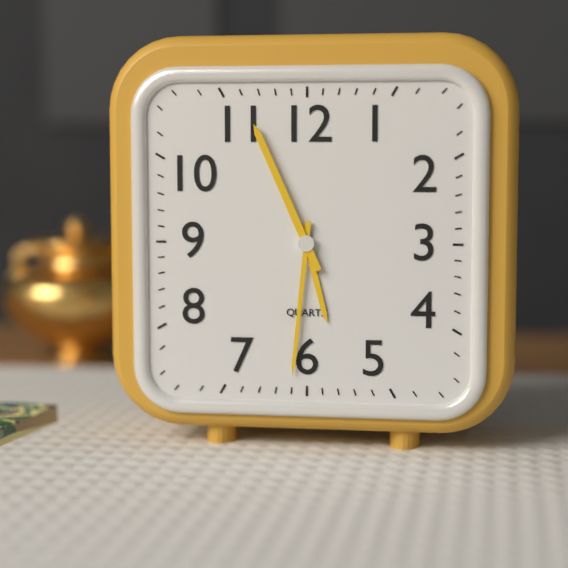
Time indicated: 5:31:56
